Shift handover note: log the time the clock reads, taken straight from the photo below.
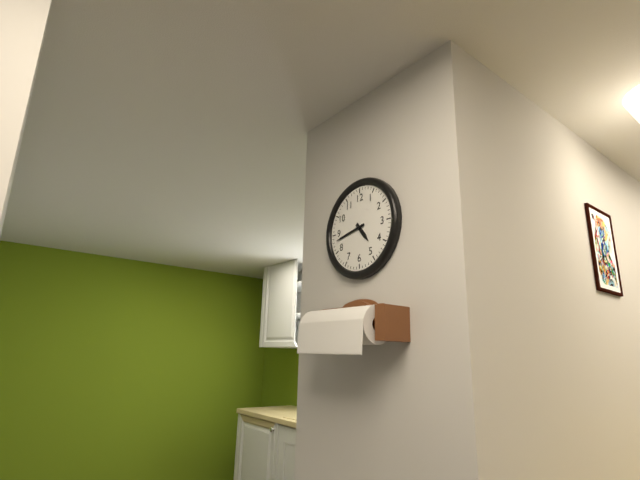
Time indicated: 4:43
